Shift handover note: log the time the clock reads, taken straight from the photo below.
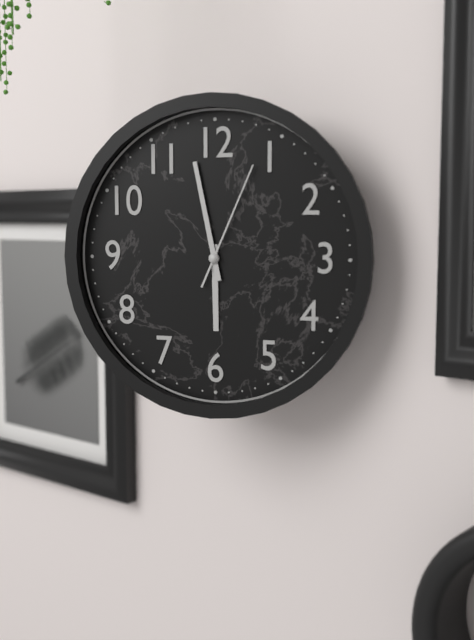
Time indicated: 5:58:04
